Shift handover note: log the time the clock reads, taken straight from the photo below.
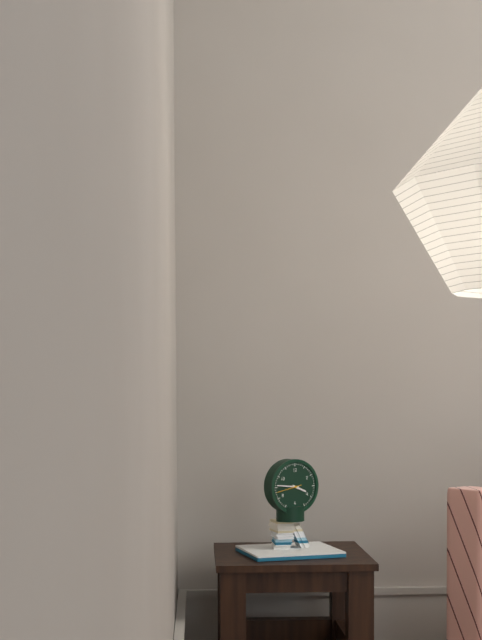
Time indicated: 3:46
